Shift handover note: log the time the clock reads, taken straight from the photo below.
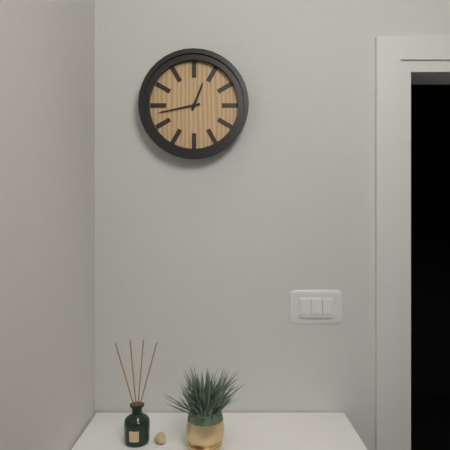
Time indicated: 12:43
